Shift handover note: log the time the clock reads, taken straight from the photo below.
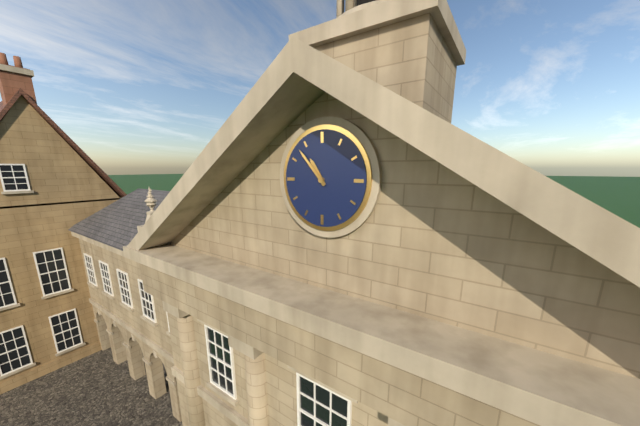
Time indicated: 10:53
